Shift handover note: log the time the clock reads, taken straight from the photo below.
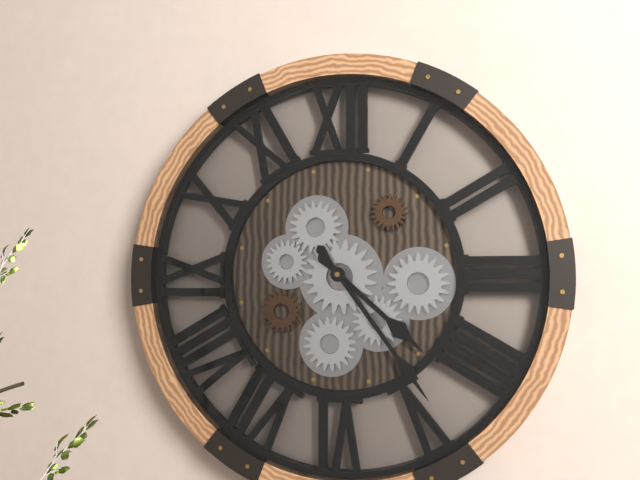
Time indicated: 4:24
